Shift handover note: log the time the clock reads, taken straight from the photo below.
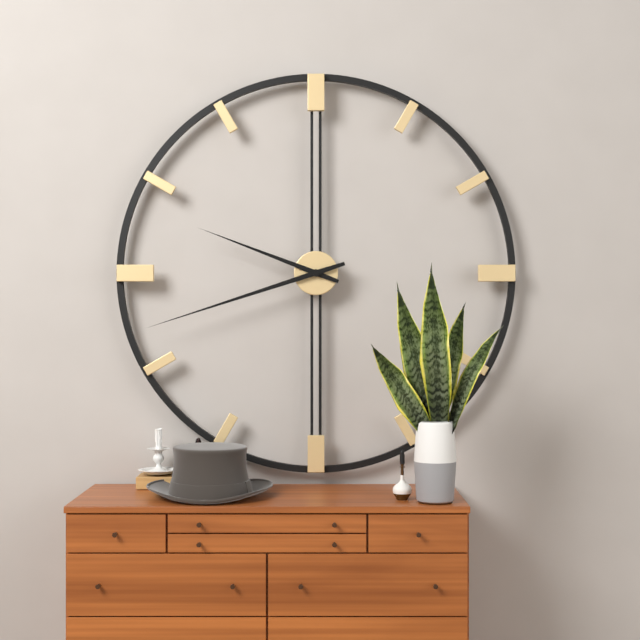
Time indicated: 9:42
